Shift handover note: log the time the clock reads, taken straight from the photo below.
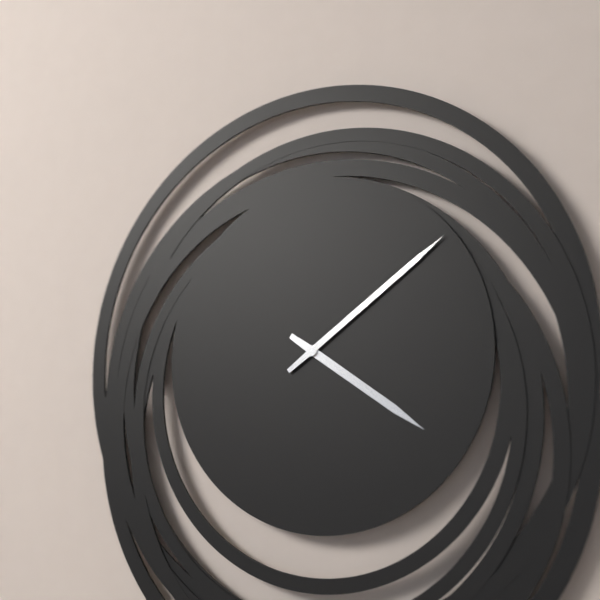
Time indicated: 4:09
